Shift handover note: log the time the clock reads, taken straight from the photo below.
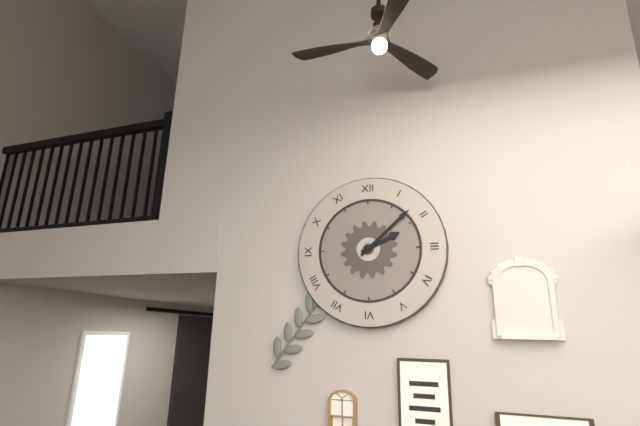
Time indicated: 2:08
